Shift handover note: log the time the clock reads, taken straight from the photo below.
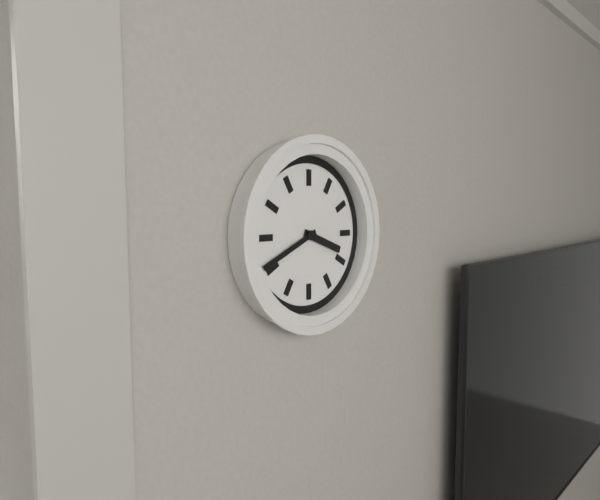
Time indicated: 3:41
